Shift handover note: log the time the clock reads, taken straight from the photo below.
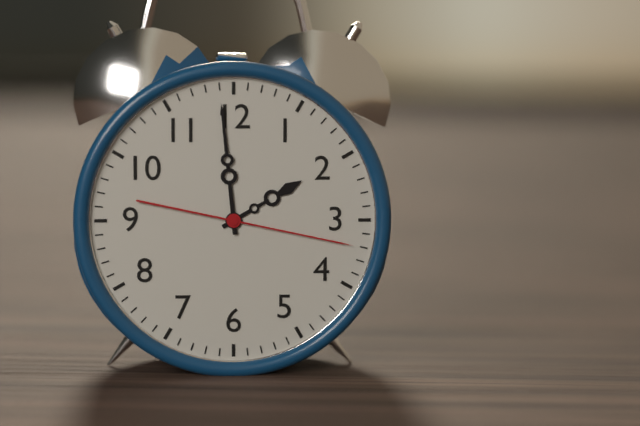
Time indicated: 1:59:17
